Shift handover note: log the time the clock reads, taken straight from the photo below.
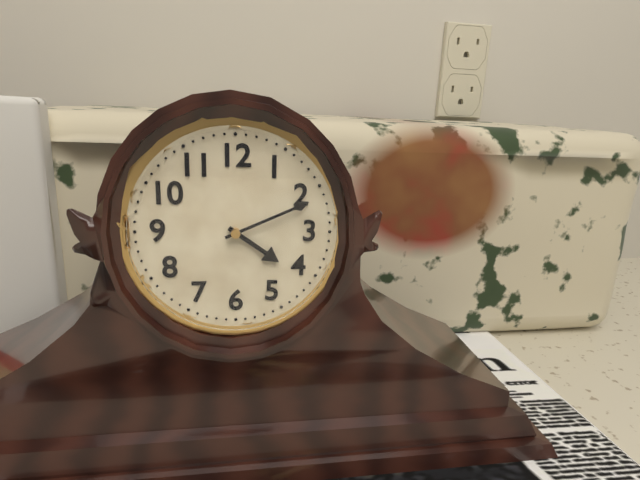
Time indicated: 4:11
